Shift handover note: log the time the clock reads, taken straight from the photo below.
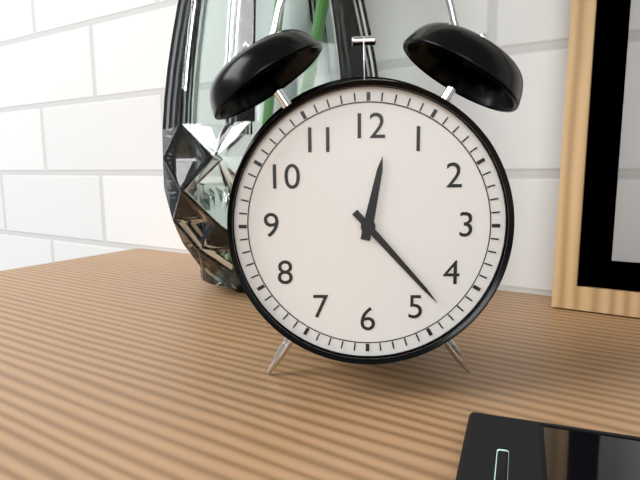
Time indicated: 12:23
